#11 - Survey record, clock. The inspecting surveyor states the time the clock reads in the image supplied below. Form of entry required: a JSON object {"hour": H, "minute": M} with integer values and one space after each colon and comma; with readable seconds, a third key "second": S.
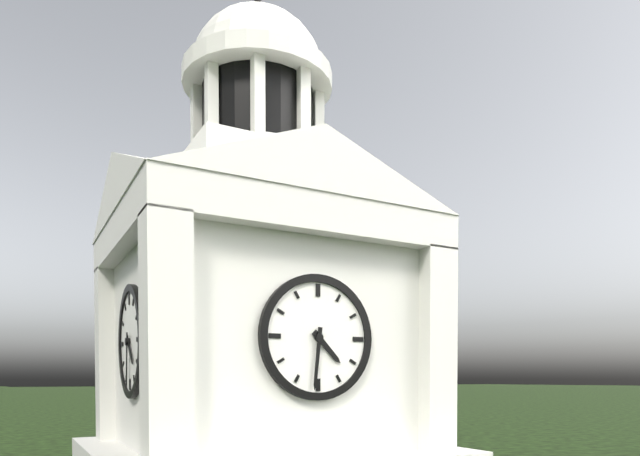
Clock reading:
{"hour": 4, "minute": 31}
